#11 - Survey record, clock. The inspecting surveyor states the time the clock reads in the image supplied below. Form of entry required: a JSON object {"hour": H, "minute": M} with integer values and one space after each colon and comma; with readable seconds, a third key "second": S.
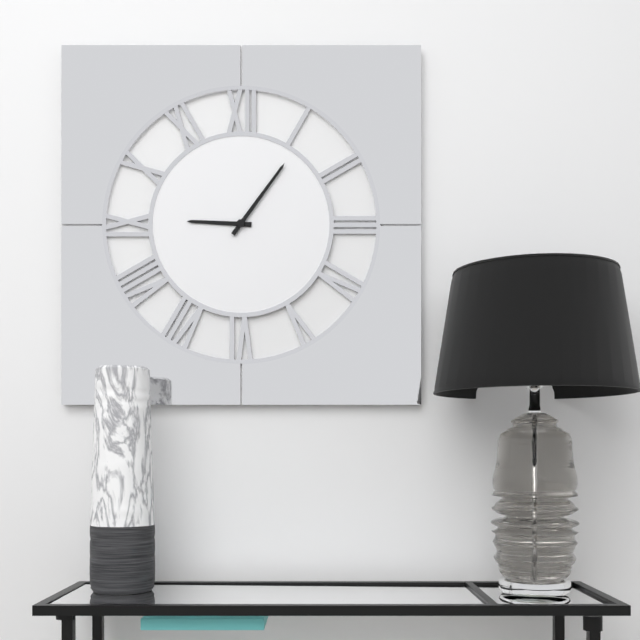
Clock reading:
{"hour": 9, "minute": 6}
